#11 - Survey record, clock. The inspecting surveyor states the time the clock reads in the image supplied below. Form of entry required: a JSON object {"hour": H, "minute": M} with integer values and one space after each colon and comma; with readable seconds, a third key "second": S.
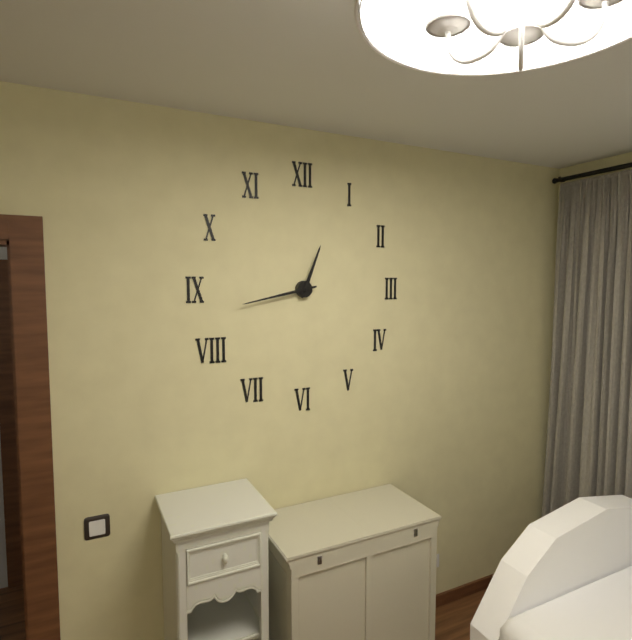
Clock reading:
{"hour": 12, "minute": 43}
